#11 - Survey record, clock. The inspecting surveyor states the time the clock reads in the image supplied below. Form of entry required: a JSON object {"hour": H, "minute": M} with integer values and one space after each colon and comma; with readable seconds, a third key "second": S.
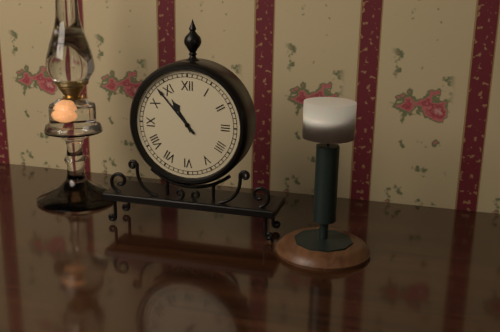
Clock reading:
{"hour": 10, "minute": 53}
